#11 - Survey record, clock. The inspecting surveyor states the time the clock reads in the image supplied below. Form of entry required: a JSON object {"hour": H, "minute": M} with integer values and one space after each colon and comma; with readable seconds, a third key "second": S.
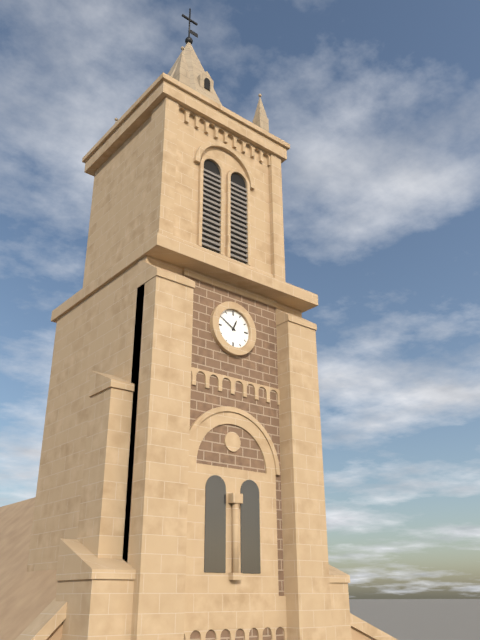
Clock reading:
{"hour": 12, "minute": 50}
